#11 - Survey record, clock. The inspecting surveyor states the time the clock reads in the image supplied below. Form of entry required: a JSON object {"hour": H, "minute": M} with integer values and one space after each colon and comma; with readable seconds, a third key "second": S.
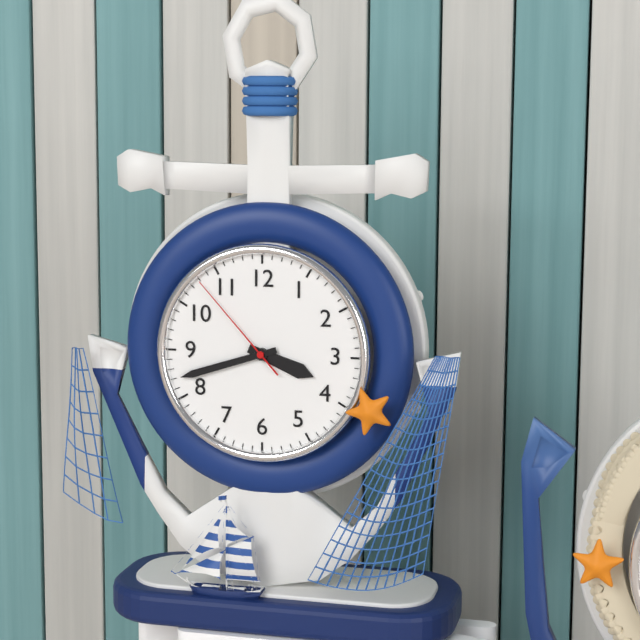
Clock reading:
{"hour": 3, "minute": 42, "second": 53}
